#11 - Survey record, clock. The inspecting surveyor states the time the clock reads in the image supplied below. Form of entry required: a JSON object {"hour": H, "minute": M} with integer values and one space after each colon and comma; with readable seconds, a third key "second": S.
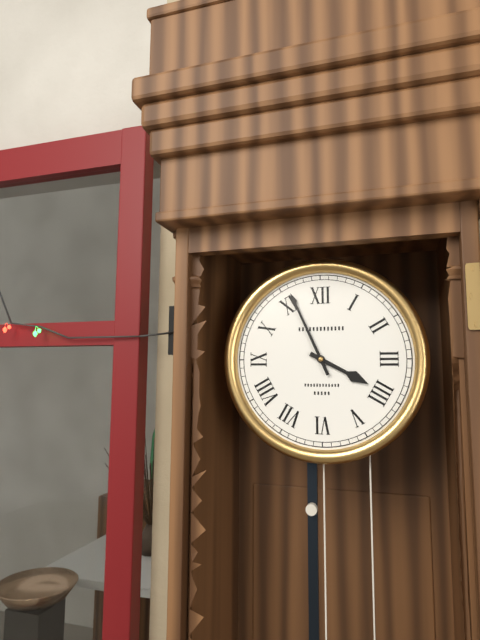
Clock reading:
{"hour": 3, "minute": 56}
